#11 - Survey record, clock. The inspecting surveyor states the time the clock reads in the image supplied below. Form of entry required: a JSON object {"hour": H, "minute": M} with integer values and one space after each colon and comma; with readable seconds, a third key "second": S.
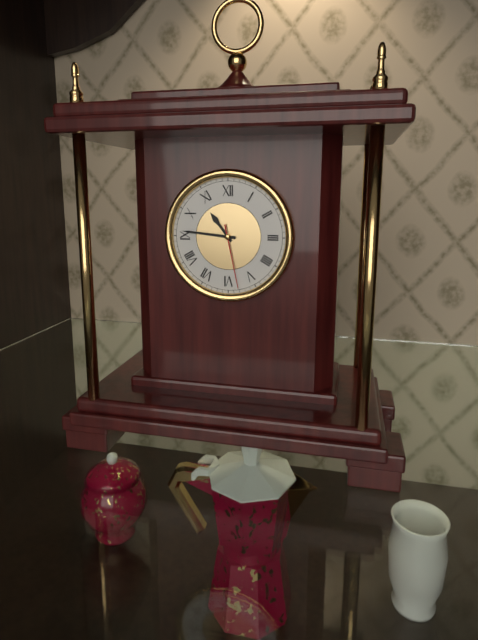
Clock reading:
{"hour": 10, "minute": 46, "second": 28}
